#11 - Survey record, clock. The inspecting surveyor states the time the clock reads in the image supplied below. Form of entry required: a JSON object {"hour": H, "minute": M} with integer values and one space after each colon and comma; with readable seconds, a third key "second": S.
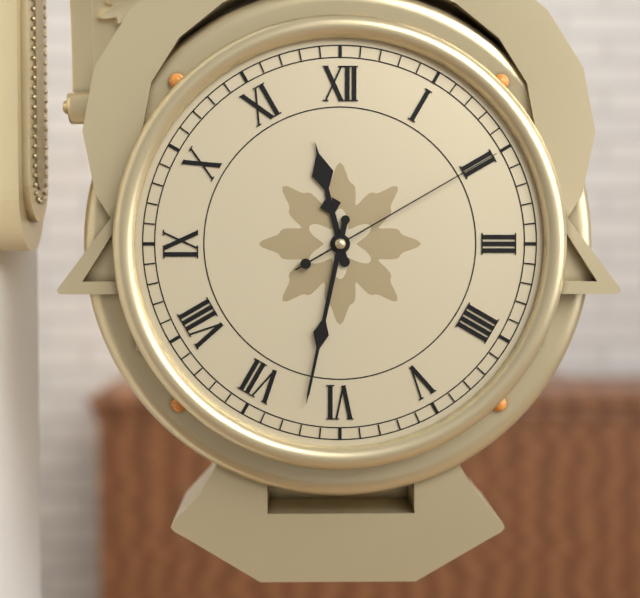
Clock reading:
{"hour": 11, "minute": 32, "second": 10}
